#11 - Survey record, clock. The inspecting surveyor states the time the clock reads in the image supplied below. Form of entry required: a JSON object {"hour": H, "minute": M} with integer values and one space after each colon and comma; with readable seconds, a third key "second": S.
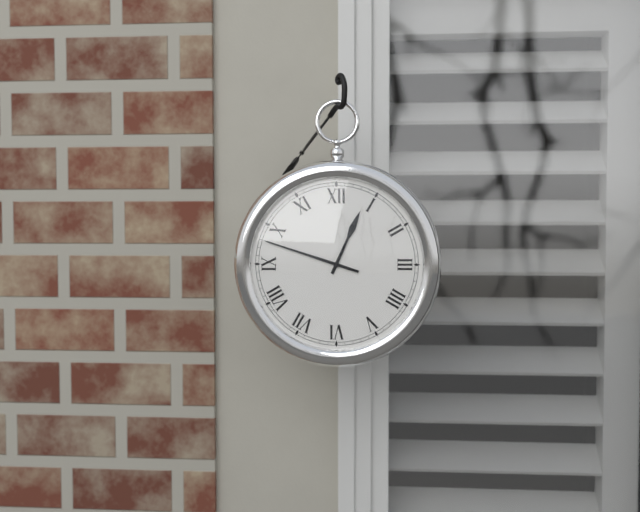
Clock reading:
{"hour": 12, "minute": 48}
